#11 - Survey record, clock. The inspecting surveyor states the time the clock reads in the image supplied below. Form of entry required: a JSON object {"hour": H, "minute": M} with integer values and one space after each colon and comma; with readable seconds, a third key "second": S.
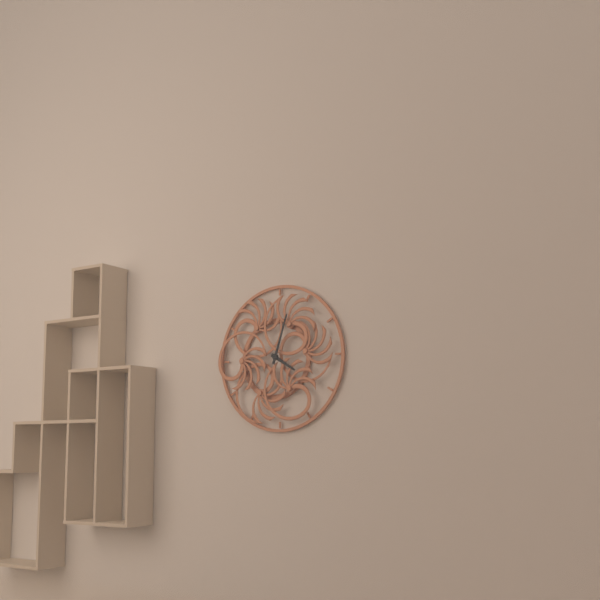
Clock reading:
{"hour": 4, "minute": 3}
